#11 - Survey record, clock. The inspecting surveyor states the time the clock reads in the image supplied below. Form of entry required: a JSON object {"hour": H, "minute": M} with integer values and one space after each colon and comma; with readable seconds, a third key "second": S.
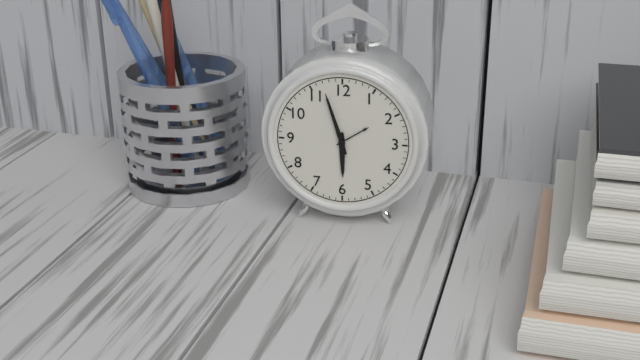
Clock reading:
{"hour": 5, "minute": 57}
